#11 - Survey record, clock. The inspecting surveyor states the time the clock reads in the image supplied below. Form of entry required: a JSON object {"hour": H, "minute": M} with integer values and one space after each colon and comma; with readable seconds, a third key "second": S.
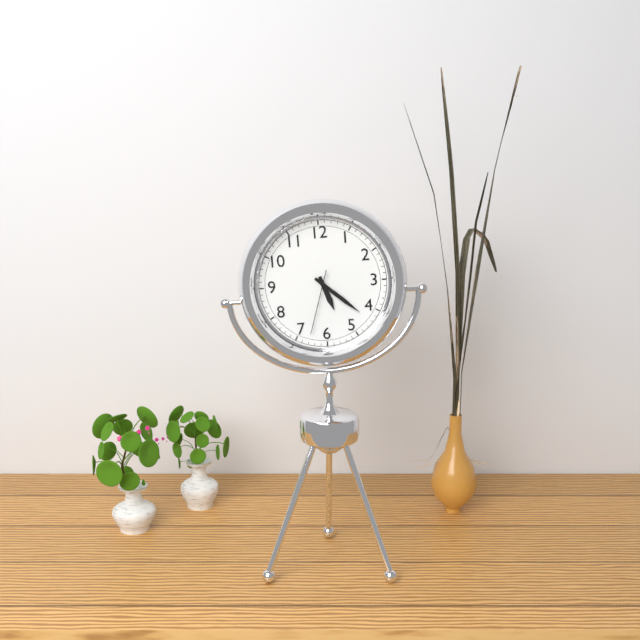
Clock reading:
{"hour": 5, "minute": 22, "second": 33}
